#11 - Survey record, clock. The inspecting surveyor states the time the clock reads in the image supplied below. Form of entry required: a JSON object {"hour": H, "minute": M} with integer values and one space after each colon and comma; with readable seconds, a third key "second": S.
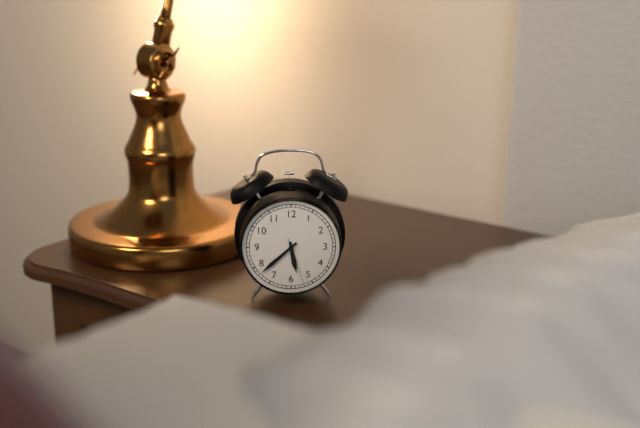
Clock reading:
{"hour": 5, "minute": 38, "second": 27}
